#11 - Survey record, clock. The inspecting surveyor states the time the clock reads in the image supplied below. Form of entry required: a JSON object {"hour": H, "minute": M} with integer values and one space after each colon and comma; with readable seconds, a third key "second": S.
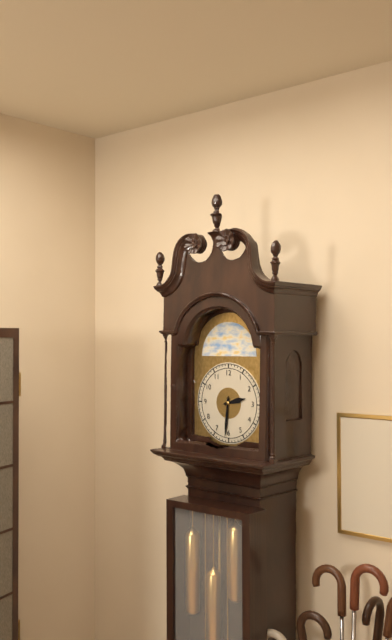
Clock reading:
{"hour": 2, "minute": 31}
